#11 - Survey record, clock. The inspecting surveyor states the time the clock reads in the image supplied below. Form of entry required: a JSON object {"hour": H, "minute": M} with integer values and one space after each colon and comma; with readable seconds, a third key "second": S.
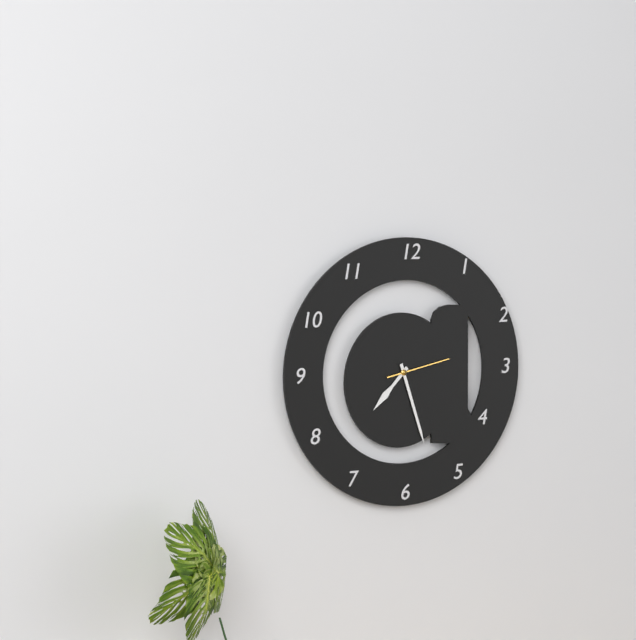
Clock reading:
{"hour": 7, "minute": 27, "second": 13}
